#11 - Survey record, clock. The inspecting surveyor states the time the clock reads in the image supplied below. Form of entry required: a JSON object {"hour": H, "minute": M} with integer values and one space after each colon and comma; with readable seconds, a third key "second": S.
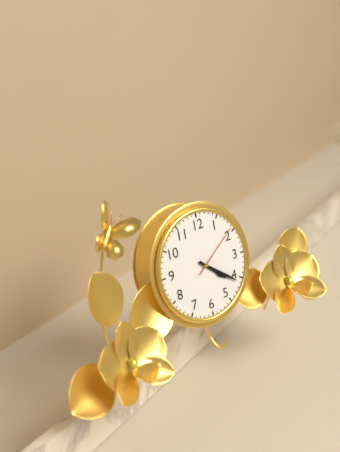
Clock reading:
{"hour": 4, "minute": 21, "second": 9}
